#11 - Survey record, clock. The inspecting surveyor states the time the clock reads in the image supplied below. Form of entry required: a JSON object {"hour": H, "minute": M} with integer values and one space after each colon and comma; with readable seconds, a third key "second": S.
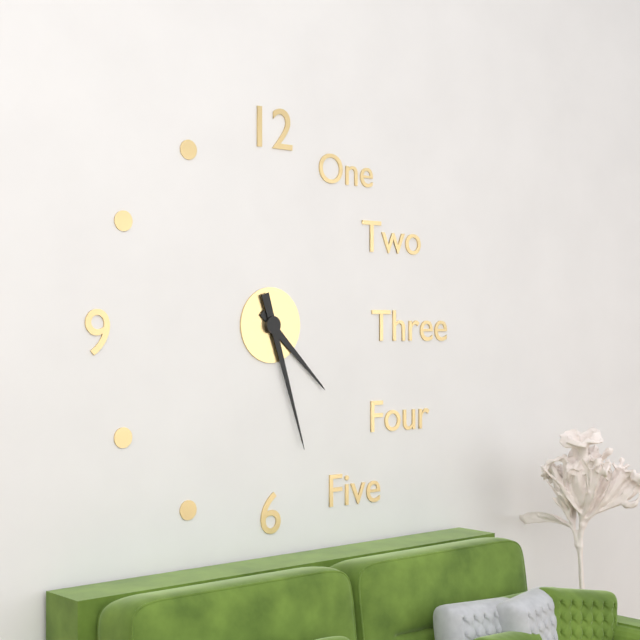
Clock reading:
{"hour": 4, "minute": 27}
